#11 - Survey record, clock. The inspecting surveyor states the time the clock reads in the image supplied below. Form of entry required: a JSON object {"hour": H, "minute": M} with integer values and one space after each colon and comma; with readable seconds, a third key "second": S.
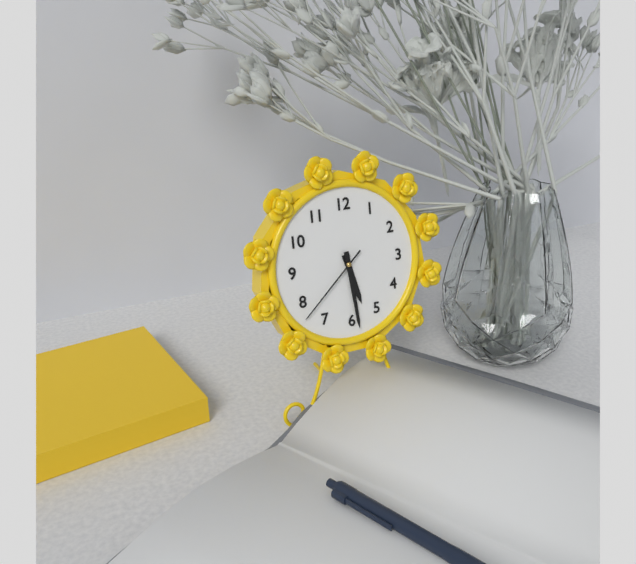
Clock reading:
{"hour": 5, "minute": 29, "second": 38}
